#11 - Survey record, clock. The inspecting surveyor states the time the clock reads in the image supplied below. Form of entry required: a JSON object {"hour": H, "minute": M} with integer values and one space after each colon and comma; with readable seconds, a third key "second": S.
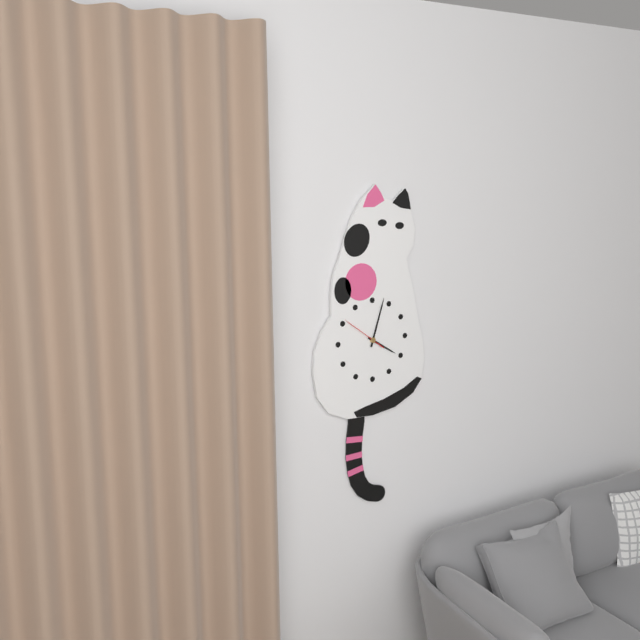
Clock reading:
{"hour": 4, "minute": 3}
